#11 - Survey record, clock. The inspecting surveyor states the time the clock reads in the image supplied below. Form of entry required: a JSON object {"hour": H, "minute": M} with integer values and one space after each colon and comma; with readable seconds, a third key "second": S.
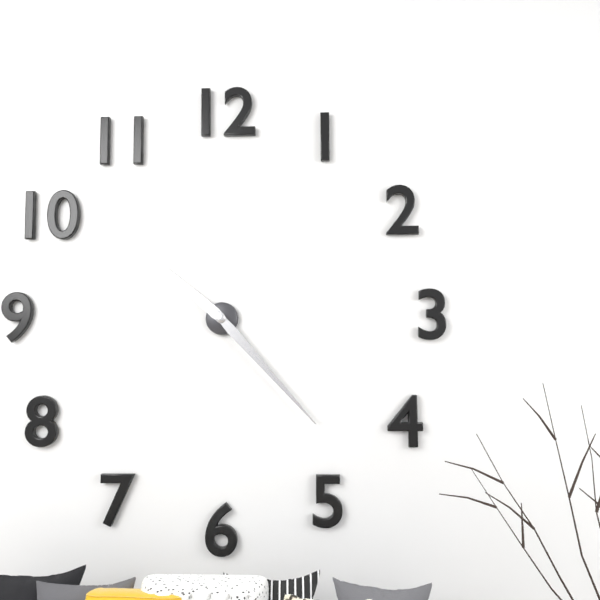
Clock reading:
{"hour": 10, "minute": 23}
